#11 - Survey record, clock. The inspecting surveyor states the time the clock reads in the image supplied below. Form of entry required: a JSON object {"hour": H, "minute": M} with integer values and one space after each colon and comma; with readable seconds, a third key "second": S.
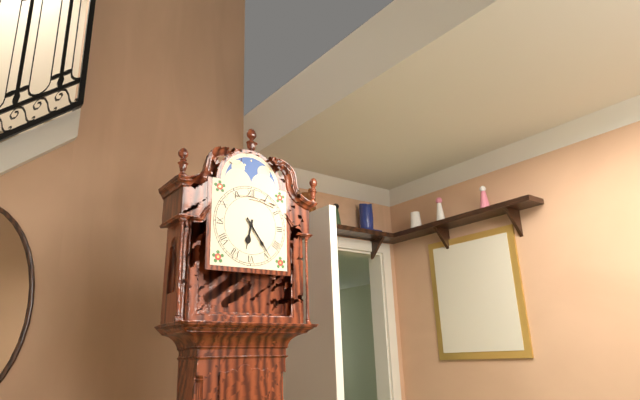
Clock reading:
{"hour": 6, "minute": 24}
